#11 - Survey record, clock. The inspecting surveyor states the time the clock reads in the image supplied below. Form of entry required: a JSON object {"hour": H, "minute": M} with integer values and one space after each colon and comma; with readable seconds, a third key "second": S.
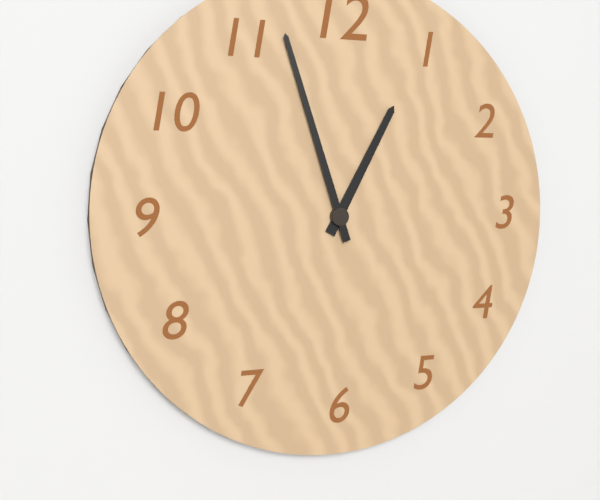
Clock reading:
{"hour": 12, "minute": 57}
